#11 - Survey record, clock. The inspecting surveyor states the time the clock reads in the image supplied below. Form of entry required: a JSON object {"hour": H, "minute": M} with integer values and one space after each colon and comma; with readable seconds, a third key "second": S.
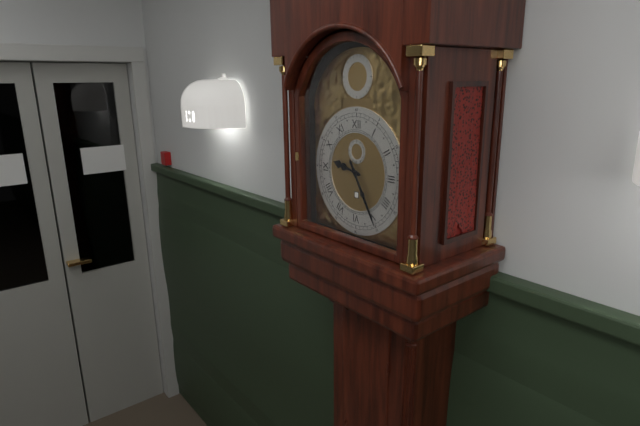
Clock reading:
{"hour": 9, "minute": 25}
